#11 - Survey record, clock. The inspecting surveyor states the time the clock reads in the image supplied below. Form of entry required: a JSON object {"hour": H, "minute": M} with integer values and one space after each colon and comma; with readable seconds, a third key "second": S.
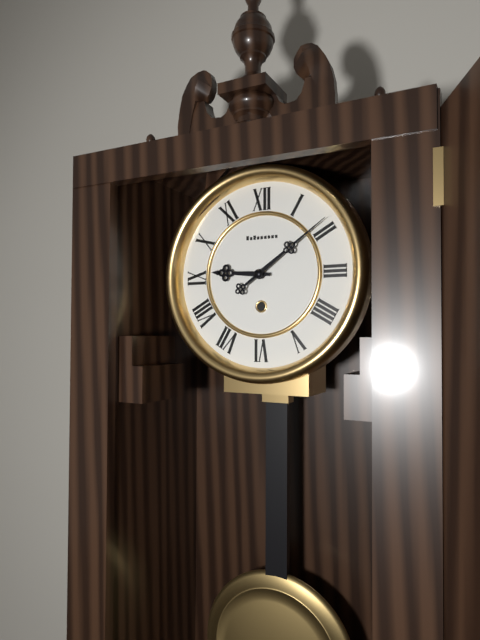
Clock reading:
{"hour": 9, "minute": 9}
